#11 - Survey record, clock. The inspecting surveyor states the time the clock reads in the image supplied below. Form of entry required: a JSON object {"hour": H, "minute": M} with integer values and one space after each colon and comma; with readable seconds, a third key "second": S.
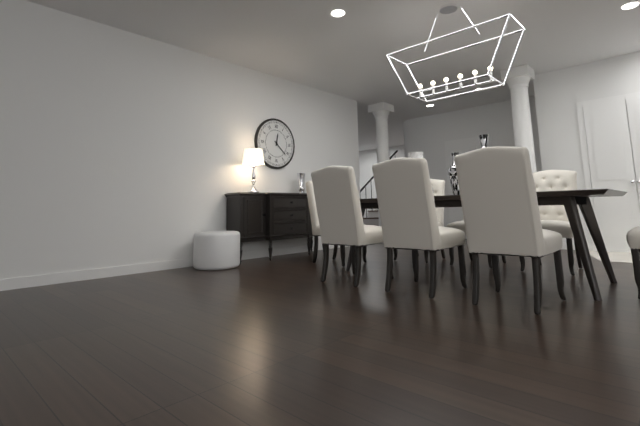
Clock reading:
{"hour": 12, "minute": 22}
